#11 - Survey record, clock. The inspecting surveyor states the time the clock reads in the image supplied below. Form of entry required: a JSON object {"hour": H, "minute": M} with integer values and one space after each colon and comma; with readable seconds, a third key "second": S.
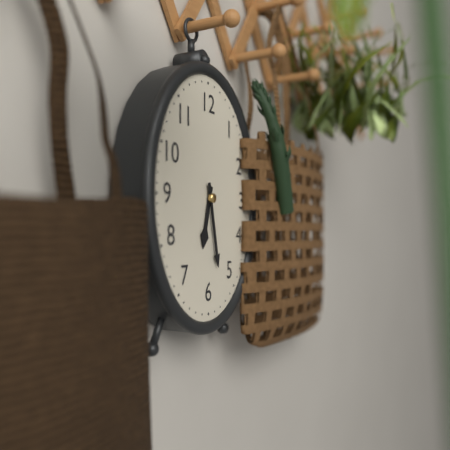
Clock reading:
{"hour": 6, "minute": 28}
